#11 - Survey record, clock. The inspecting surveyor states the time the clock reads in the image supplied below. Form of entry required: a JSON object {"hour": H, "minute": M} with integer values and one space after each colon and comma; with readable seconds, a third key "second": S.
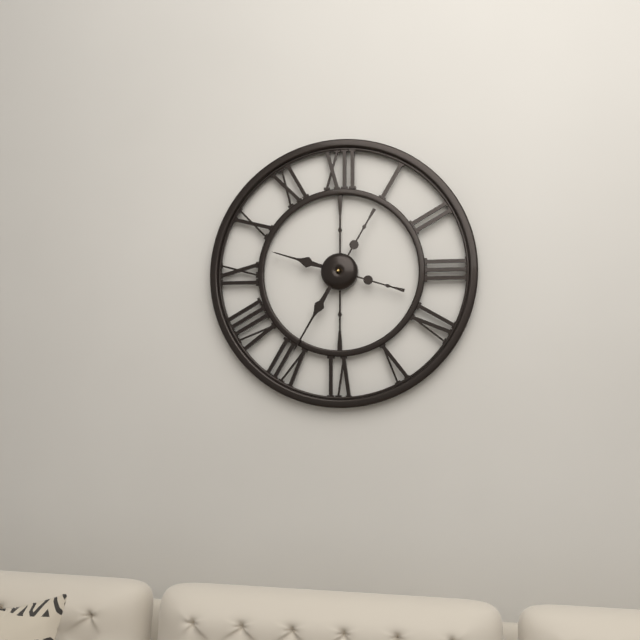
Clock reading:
{"hour": 9, "minute": 35}
